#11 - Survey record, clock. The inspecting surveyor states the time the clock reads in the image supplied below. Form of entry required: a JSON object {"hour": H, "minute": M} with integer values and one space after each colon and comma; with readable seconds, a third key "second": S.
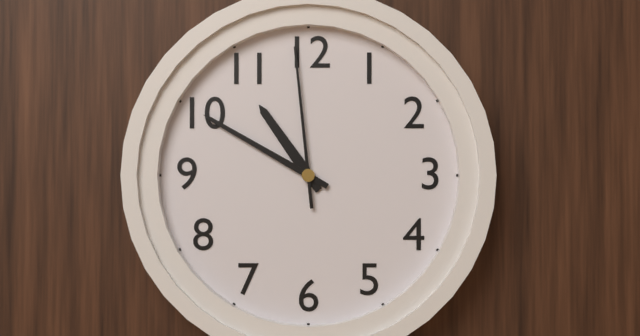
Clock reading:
{"hour": 10, "minute": 50, "second": 59}
